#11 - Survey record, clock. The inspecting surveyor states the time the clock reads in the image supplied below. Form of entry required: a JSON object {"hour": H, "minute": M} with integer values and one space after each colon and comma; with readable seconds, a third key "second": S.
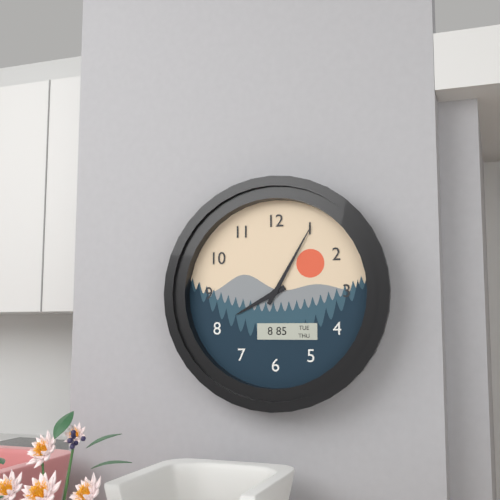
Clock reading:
{"hour": 8, "minute": 5}
